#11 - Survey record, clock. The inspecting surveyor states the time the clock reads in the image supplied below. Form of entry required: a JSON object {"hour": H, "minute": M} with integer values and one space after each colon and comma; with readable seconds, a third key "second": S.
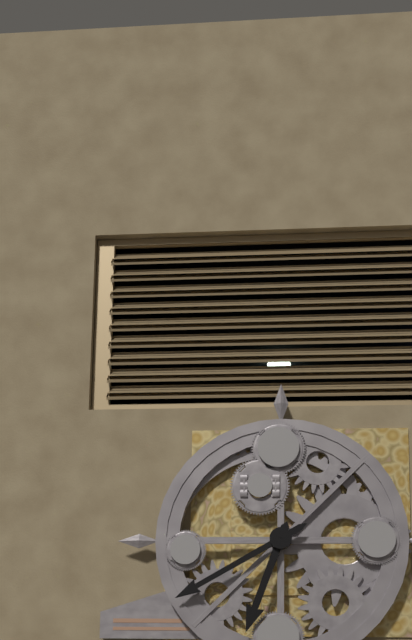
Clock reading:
{"hour": 6, "minute": 40}
